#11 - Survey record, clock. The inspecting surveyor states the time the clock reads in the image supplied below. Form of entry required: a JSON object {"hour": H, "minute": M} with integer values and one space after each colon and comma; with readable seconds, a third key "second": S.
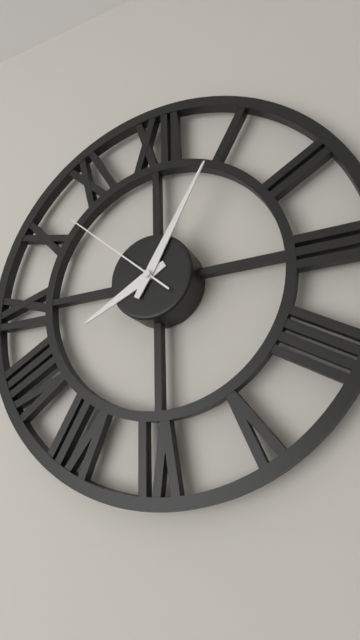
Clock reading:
{"hour": 8, "minute": 5, "second": 52}
